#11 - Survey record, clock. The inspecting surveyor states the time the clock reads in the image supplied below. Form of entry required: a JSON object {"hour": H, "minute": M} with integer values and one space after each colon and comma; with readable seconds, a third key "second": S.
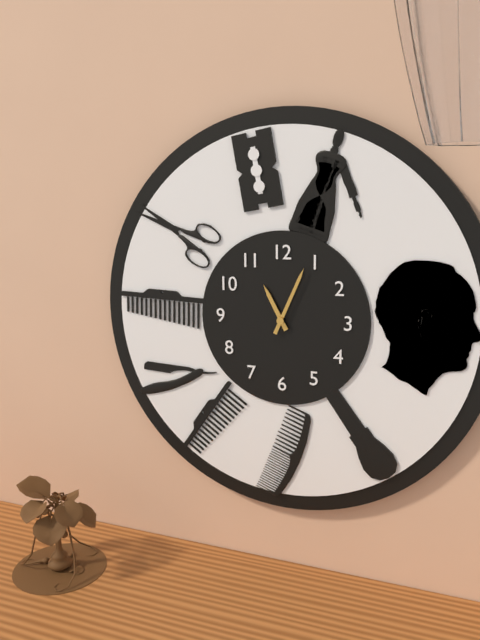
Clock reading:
{"hour": 11, "minute": 4}
